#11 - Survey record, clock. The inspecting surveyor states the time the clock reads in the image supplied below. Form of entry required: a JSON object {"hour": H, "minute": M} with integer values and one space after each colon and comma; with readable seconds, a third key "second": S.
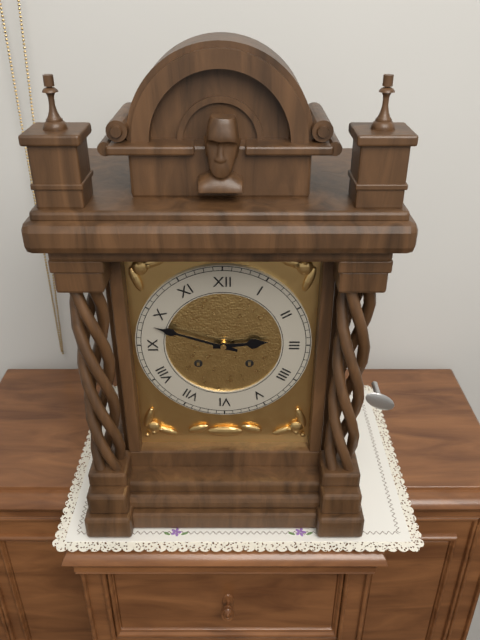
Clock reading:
{"hour": 2, "minute": 48}
